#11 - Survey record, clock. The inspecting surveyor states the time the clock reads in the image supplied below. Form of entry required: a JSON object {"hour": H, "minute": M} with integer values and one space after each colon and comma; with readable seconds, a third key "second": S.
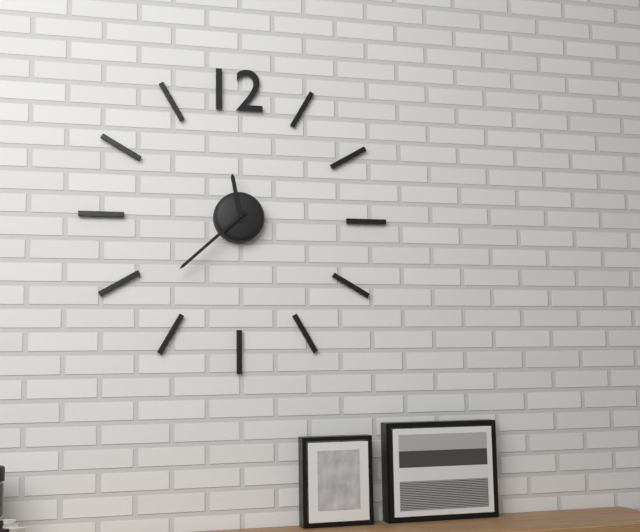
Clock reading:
{"hour": 11, "minute": 38}
